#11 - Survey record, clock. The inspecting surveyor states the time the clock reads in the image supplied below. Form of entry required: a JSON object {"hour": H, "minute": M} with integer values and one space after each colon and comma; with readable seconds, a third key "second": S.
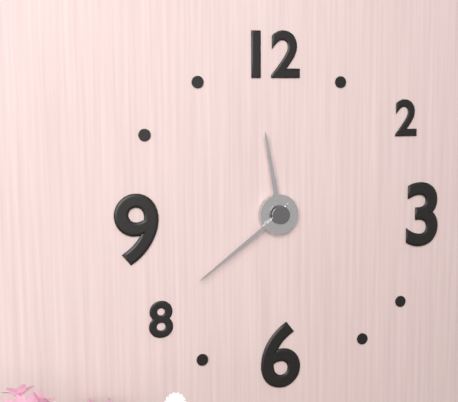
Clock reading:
{"hour": 11, "minute": 39}
